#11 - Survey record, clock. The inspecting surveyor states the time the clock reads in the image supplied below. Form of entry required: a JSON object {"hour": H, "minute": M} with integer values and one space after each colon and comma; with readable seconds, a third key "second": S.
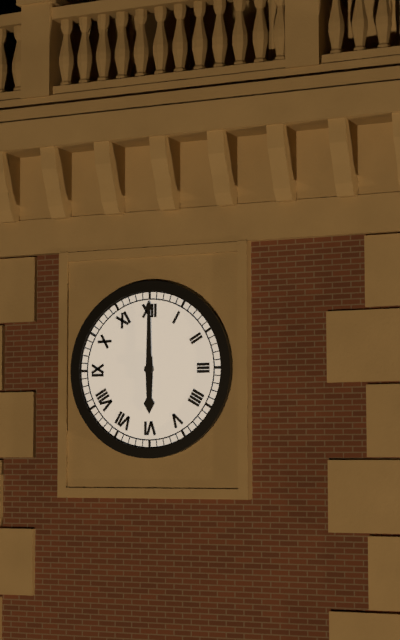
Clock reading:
{"hour": 6, "minute": 0}
